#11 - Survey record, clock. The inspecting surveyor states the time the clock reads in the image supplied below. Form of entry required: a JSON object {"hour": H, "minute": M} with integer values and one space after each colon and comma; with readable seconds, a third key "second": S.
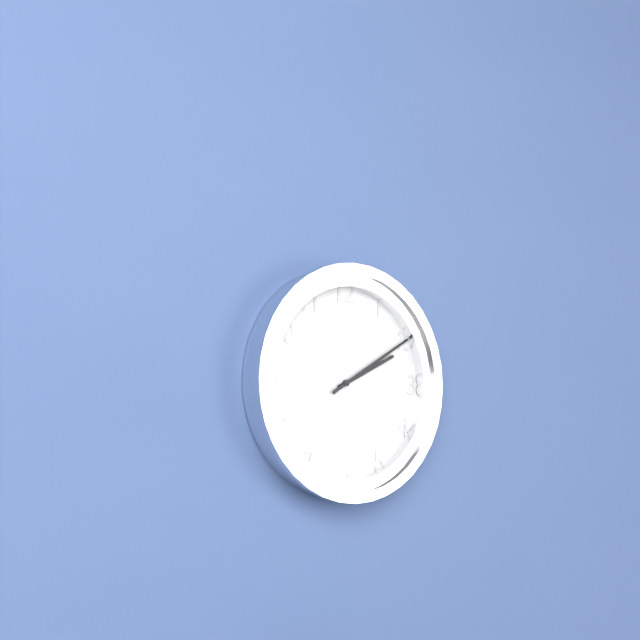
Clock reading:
{"hour": 2, "minute": 10}
